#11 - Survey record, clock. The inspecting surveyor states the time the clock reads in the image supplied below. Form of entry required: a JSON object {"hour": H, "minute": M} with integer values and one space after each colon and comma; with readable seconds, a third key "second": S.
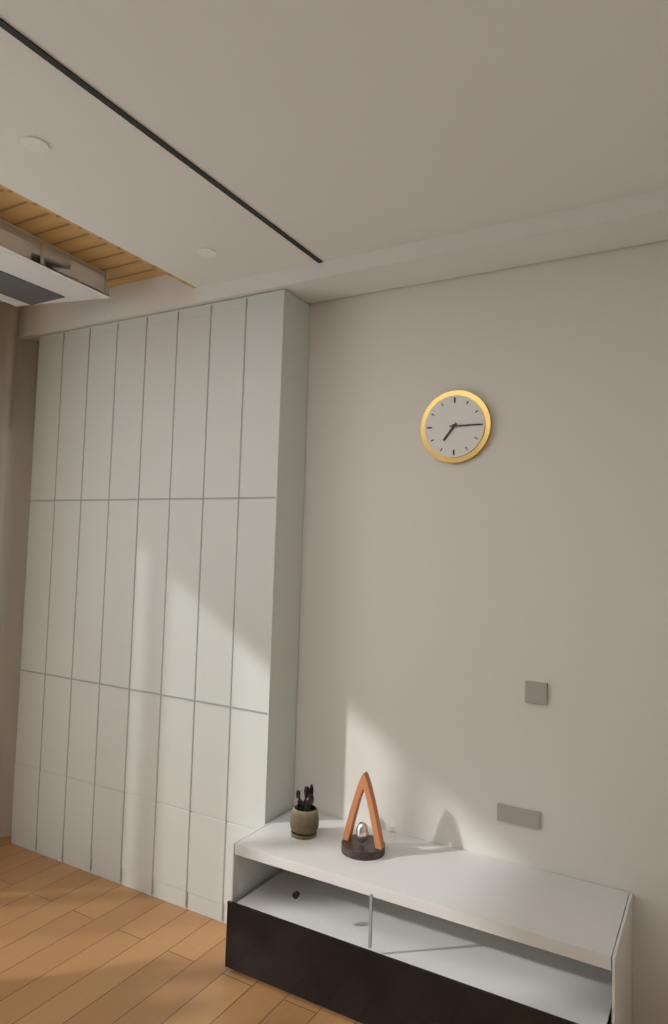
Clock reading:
{"hour": 7, "minute": 15}
